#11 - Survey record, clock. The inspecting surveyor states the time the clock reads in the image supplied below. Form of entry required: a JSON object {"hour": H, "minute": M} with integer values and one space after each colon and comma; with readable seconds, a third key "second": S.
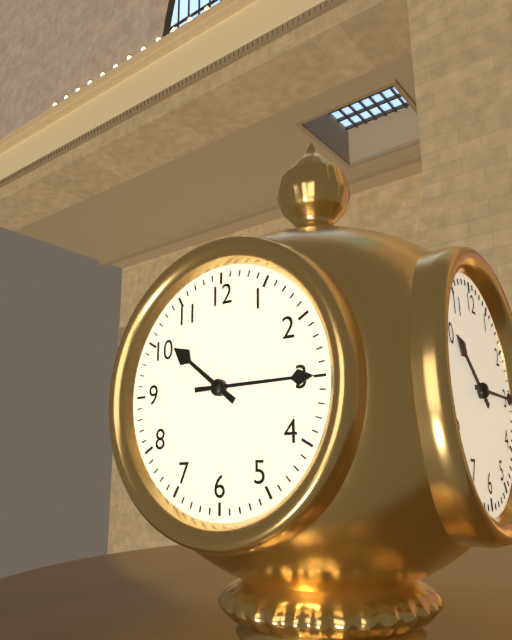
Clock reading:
{"hour": 10, "minute": 15}
